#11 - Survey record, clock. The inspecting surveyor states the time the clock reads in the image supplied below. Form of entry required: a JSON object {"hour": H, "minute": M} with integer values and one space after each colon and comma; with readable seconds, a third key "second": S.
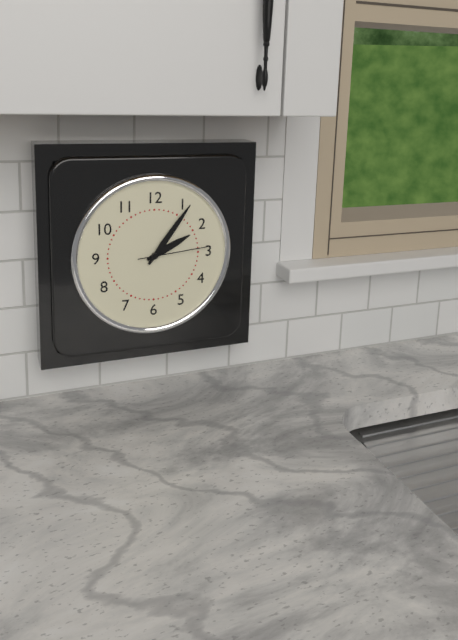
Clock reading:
{"hour": 2, "minute": 6, "second": 14}
